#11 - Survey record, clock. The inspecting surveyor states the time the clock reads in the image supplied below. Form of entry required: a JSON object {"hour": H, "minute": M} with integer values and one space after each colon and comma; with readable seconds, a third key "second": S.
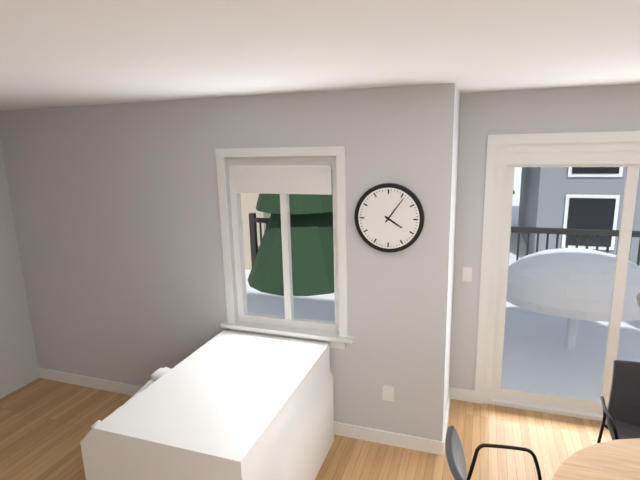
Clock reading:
{"hour": 4, "minute": 6}
